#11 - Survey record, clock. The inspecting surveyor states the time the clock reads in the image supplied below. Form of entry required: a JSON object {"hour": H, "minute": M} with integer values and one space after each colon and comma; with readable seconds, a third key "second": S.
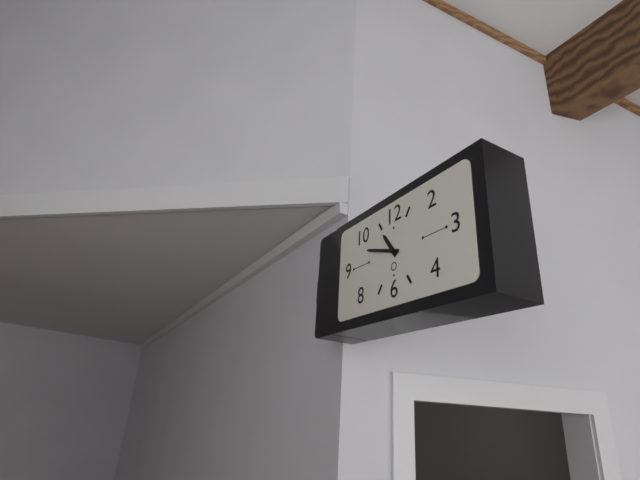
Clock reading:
{"hour": 10, "minute": 48}
